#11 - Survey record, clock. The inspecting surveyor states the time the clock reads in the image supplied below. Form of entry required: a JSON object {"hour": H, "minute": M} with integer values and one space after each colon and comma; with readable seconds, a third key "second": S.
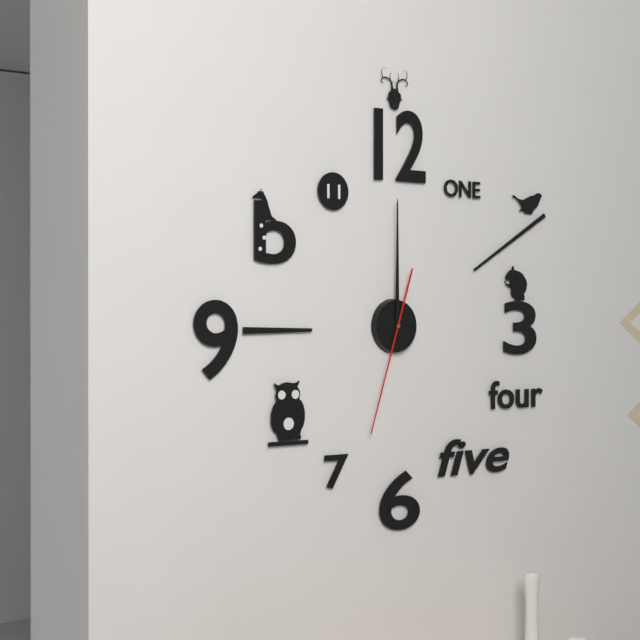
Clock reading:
{"hour": 12, "minute": 0, "second": 33}
